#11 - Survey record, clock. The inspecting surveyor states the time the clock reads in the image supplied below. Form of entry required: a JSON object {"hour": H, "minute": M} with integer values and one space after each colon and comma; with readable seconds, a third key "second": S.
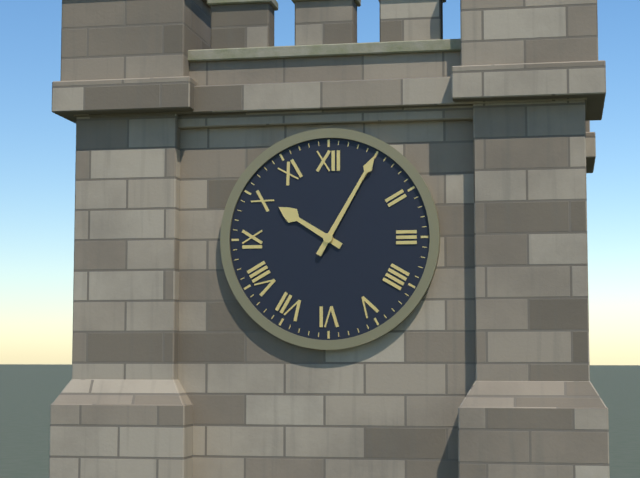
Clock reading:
{"hour": 10, "minute": 5}
